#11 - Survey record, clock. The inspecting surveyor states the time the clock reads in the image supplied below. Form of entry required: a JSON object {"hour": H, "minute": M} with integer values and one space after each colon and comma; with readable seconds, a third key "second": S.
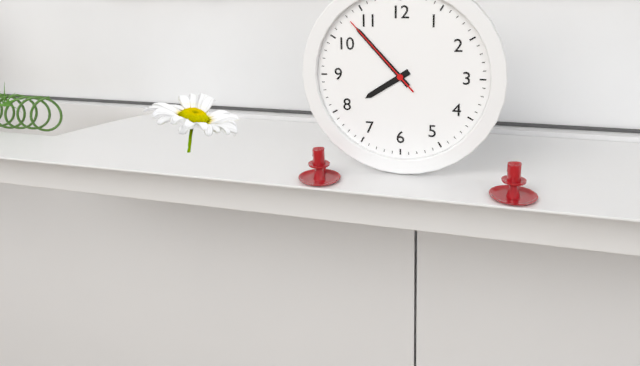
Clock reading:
{"hour": 7, "minute": 53, "second": 53}
